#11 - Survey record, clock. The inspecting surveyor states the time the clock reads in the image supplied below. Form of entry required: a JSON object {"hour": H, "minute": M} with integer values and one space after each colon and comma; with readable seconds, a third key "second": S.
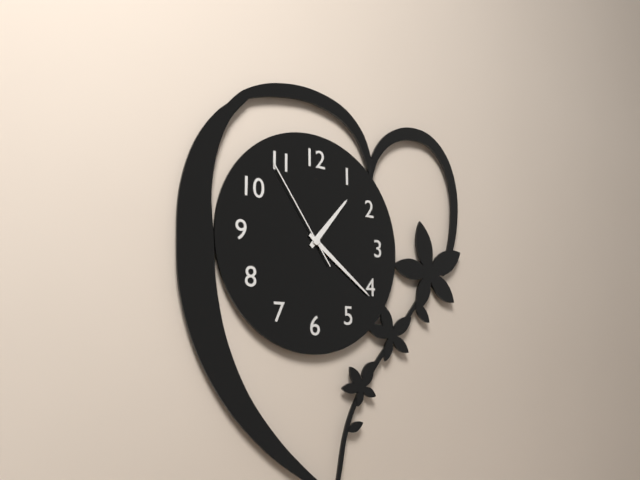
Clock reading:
{"hour": 1, "minute": 21, "second": 54}
